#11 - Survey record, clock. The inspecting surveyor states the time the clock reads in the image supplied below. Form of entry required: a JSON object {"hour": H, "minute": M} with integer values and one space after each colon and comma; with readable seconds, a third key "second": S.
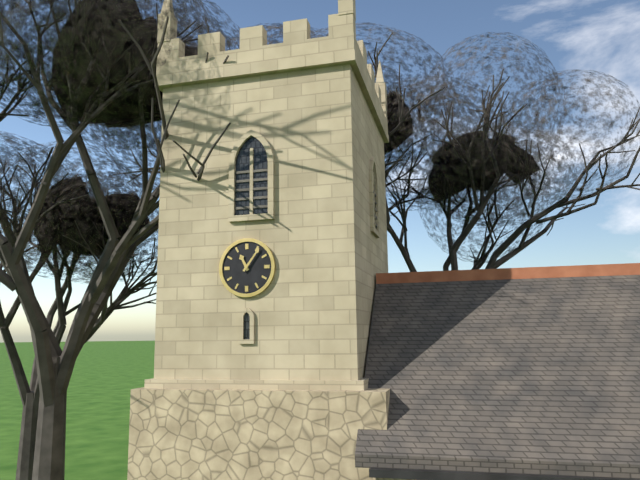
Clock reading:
{"hour": 11, "minute": 6}
